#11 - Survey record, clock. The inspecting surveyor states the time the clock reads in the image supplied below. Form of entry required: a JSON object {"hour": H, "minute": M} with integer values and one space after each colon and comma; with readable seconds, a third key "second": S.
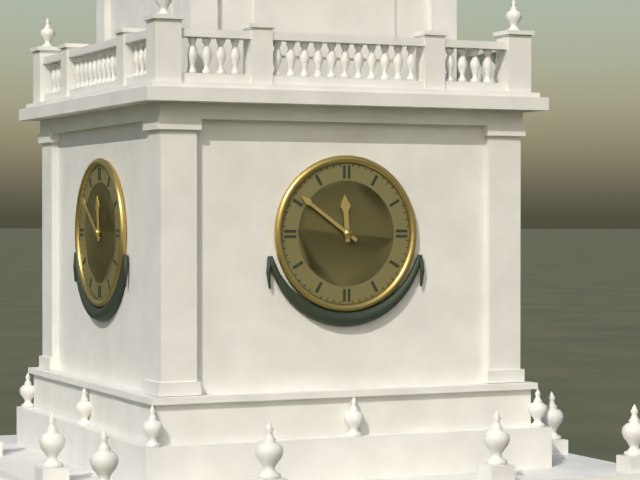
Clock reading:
{"hour": 11, "minute": 51}
